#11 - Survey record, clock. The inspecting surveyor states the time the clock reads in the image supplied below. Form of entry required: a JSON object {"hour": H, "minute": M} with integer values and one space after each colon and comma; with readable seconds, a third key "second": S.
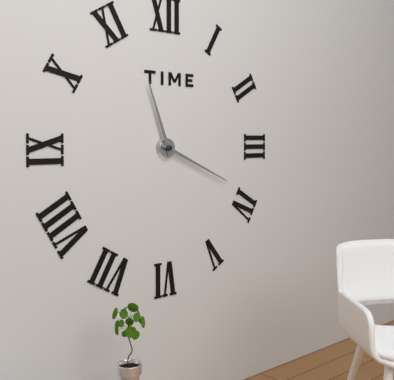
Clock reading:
{"hour": 11, "minute": 19}
